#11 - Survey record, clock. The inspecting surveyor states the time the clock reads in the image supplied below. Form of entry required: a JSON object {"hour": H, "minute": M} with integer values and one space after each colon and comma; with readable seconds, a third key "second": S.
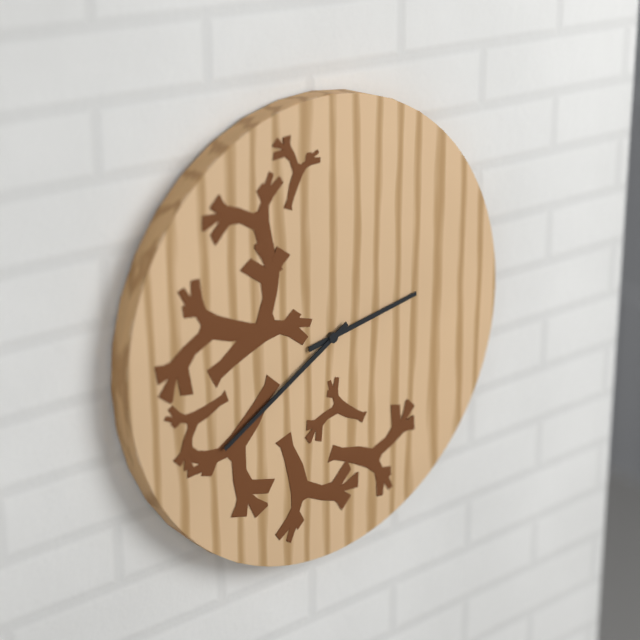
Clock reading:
{"hour": 2, "minute": 40}
